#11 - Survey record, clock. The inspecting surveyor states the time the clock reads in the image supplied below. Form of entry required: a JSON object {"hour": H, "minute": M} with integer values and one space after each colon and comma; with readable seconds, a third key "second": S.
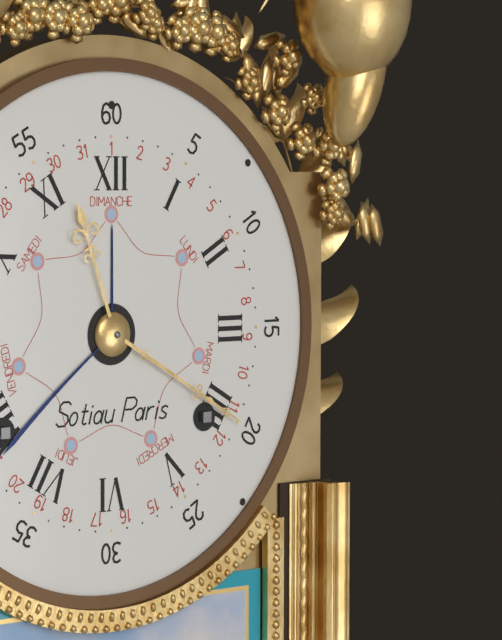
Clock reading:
{"hour": 11, "minute": 20}
